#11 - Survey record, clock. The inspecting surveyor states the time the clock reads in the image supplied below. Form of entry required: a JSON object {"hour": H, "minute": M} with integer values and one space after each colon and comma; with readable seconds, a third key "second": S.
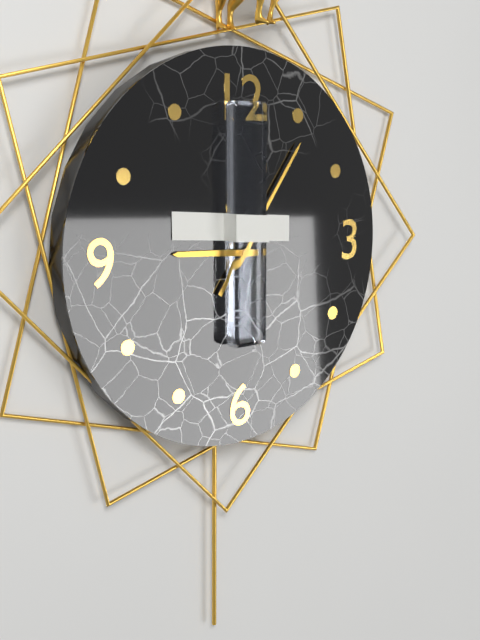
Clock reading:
{"hour": 9, "minute": 6}
